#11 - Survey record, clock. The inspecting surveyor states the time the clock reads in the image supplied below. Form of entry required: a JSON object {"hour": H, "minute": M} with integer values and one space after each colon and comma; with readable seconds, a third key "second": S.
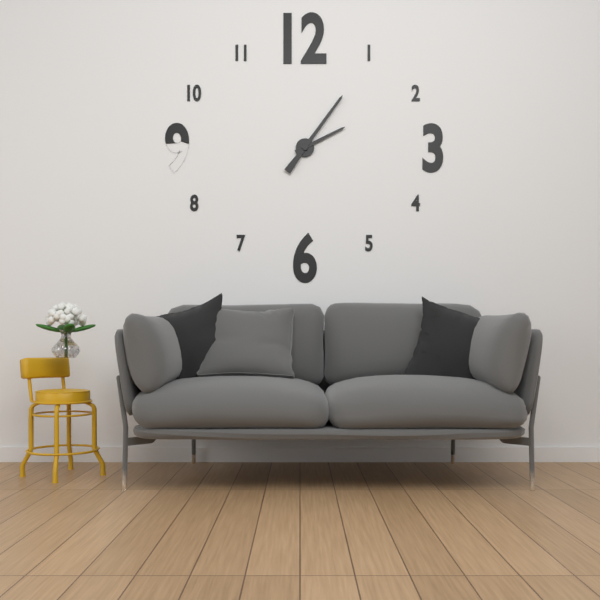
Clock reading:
{"hour": 2, "minute": 6}
